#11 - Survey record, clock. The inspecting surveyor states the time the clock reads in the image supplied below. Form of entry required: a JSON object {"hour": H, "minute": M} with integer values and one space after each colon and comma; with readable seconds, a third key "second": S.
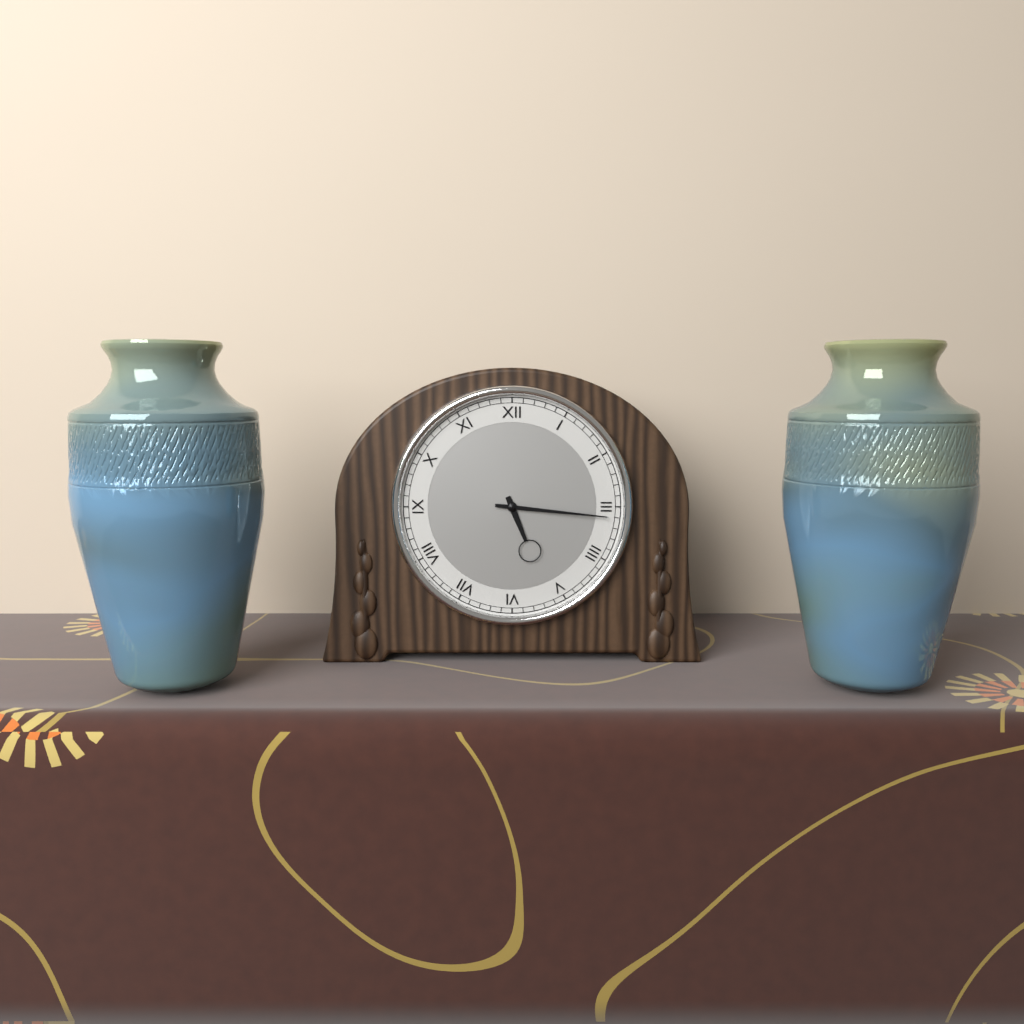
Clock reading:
{"hour": 5, "minute": 16}
